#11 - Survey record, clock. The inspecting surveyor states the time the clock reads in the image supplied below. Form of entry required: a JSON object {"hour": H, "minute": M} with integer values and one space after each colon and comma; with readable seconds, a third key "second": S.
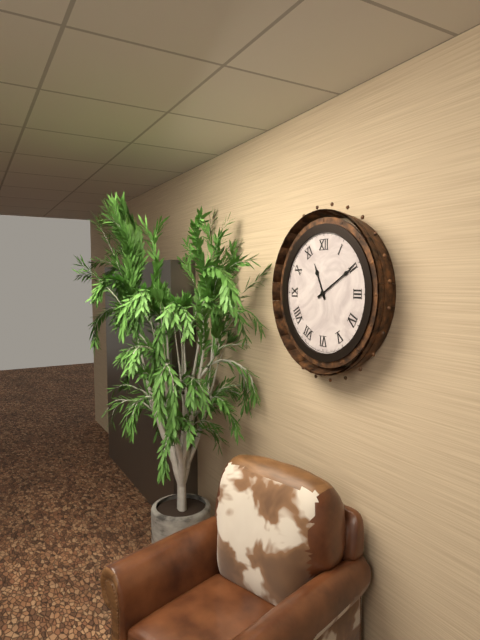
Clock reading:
{"hour": 11, "minute": 10}
